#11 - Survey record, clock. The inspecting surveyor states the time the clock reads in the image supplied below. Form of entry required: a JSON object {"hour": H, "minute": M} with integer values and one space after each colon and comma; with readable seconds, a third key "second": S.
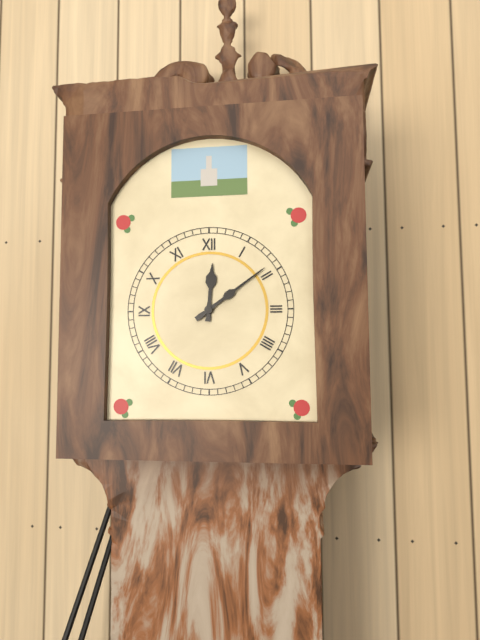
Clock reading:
{"hour": 12, "minute": 9}
